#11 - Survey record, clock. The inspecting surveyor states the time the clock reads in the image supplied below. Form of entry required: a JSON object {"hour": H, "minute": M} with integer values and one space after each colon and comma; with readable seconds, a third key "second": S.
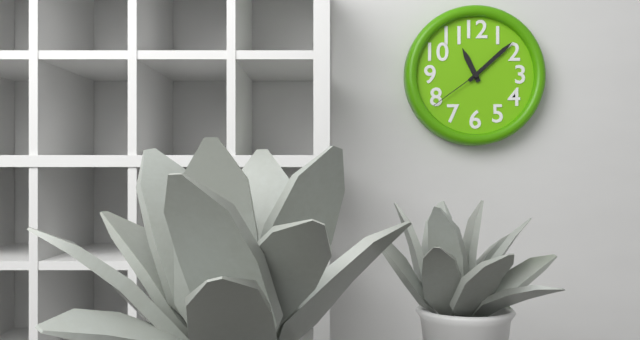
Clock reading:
{"hour": 11, "minute": 8, "second": 39}
